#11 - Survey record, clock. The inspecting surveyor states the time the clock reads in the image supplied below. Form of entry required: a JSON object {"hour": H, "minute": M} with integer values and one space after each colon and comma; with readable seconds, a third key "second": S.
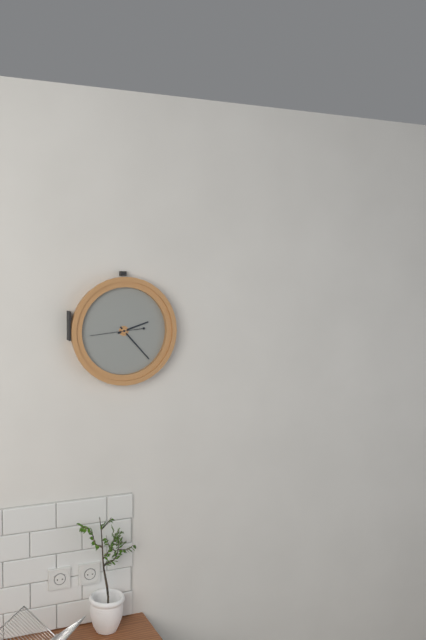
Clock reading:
{"hour": 2, "minute": 23}
